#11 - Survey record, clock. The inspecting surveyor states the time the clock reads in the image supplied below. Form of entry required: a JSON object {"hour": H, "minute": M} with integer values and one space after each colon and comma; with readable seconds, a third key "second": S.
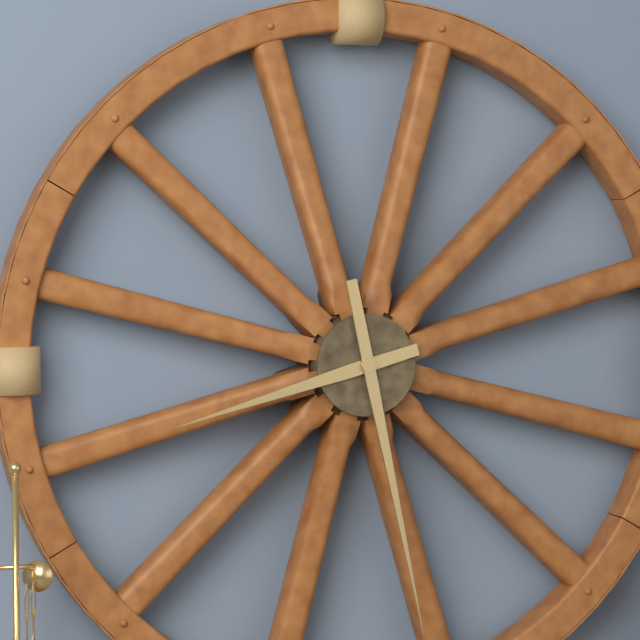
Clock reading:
{"hour": 8, "minute": 28}
